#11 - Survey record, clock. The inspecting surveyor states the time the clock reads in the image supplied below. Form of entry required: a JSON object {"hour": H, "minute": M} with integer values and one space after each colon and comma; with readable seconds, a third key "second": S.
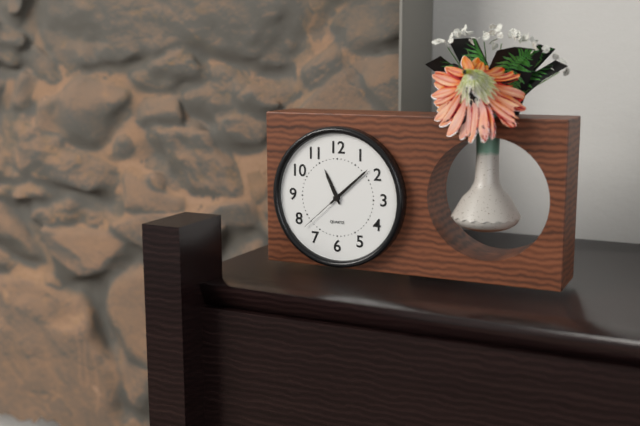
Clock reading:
{"hour": 11, "minute": 8, "second": 38}
